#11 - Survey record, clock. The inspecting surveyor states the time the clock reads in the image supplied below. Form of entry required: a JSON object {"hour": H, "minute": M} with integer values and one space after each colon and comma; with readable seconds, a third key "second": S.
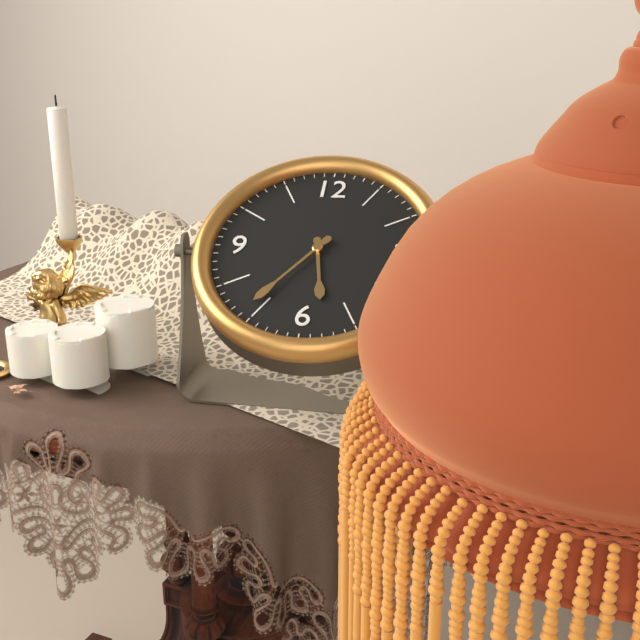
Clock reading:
{"hour": 5, "minute": 36}
